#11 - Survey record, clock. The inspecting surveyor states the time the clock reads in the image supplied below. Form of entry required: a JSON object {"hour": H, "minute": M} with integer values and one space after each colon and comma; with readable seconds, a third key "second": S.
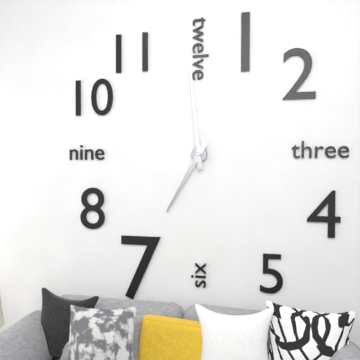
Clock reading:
{"hour": 6, "minute": 59}
